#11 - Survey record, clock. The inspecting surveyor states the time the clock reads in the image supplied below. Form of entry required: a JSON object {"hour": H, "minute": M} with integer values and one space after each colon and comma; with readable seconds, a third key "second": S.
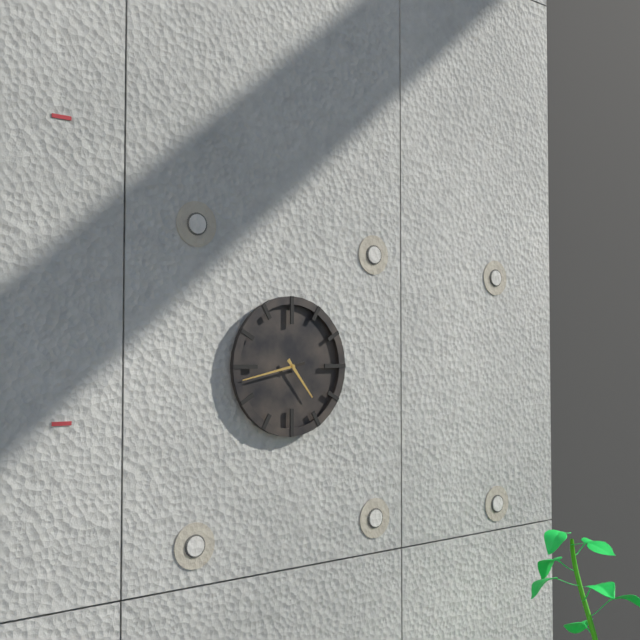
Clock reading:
{"hour": 4, "minute": 43}
